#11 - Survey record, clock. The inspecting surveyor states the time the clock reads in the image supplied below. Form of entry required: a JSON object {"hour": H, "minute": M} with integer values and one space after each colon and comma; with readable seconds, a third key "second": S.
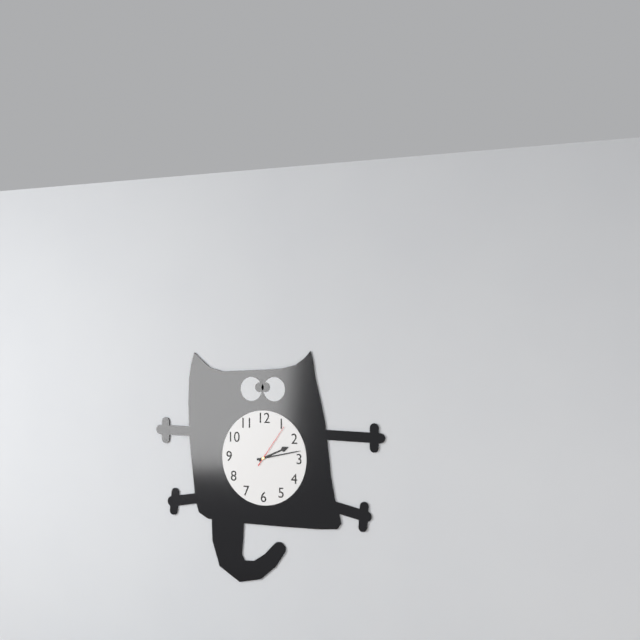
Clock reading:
{"hour": 2, "minute": 13}
